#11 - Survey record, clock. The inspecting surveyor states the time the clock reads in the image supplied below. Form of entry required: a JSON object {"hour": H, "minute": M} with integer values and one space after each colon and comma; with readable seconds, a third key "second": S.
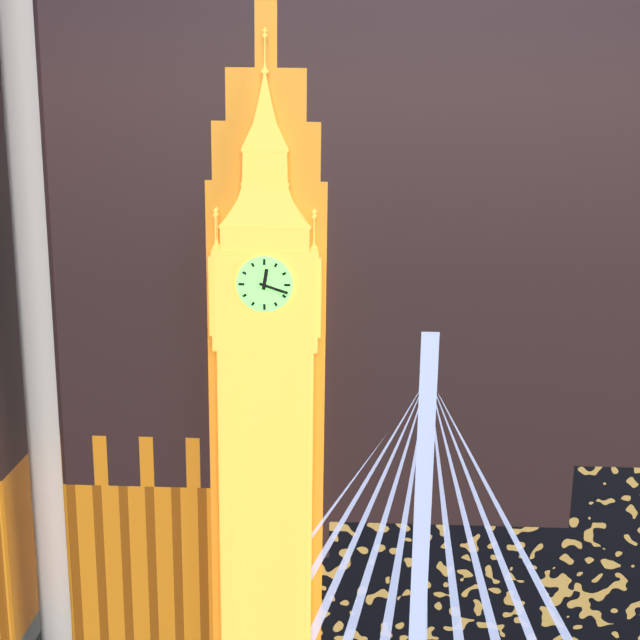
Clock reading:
{"hour": 12, "minute": 18}
